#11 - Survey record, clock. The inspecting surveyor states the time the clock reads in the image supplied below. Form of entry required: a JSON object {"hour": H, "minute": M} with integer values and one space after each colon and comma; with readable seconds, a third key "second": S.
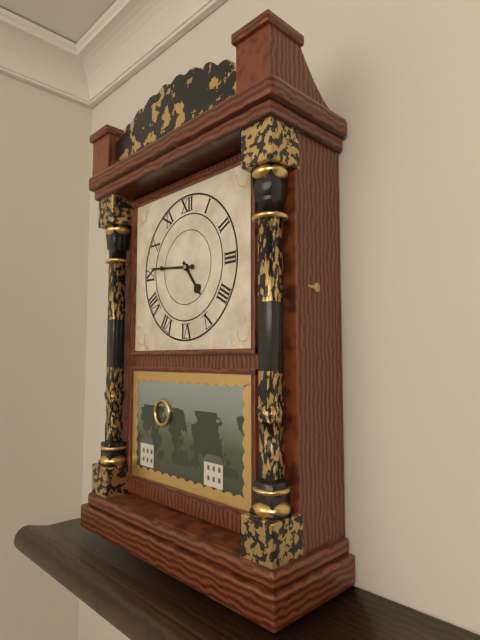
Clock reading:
{"hour": 4, "minute": 46}
